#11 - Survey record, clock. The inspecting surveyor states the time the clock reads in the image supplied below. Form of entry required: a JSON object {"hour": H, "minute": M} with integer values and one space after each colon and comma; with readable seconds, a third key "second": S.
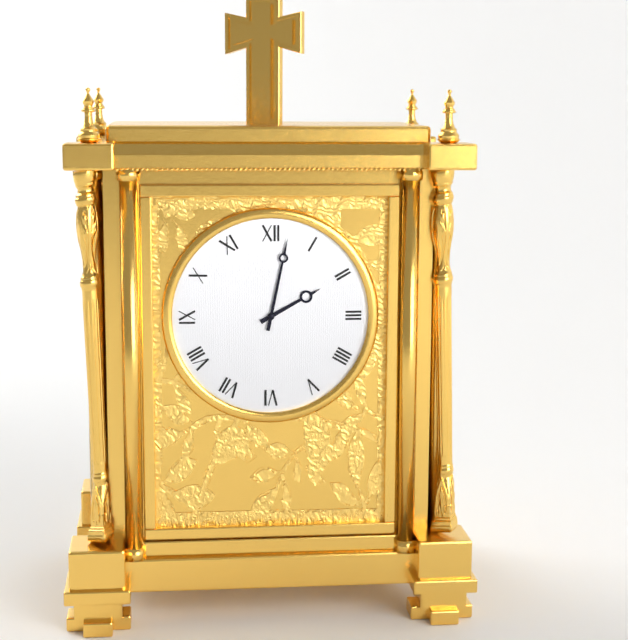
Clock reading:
{"hour": 2, "minute": 2}
